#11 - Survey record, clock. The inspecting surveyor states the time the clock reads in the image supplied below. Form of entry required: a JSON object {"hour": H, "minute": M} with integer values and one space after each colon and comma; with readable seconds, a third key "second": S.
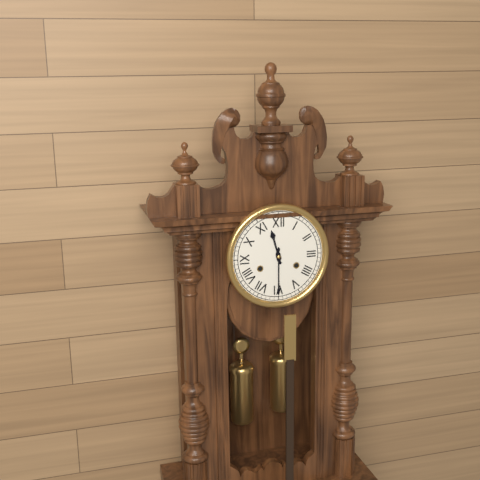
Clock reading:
{"hour": 11, "minute": 30}
